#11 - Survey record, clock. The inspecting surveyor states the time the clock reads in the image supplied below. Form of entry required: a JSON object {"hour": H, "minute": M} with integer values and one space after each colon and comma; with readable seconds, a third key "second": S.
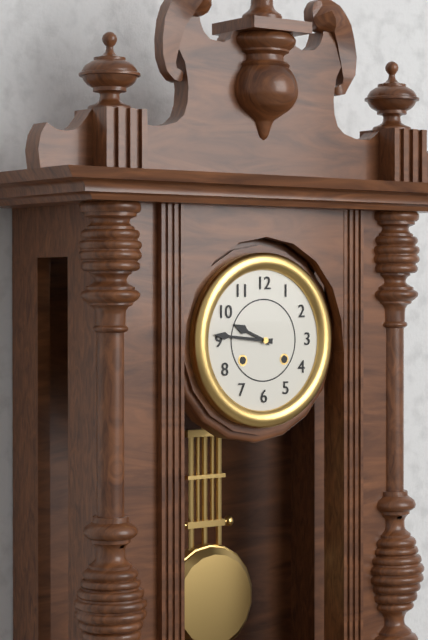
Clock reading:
{"hour": 9, "minute": 46}
